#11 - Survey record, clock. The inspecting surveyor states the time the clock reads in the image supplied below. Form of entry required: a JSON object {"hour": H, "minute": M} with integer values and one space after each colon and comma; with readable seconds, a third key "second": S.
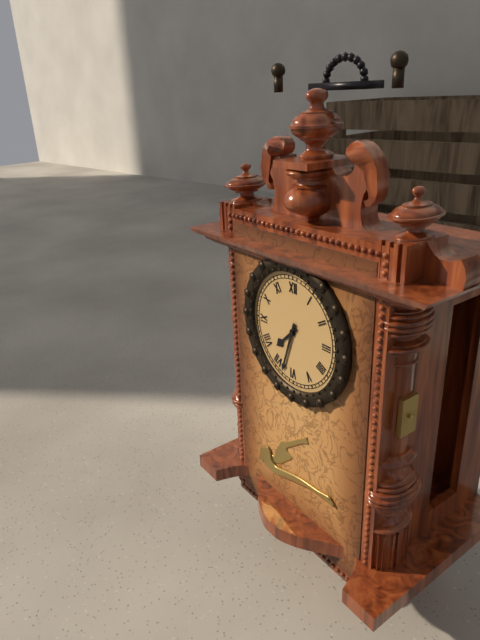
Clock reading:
{"hour": 7, "minute": 33}
